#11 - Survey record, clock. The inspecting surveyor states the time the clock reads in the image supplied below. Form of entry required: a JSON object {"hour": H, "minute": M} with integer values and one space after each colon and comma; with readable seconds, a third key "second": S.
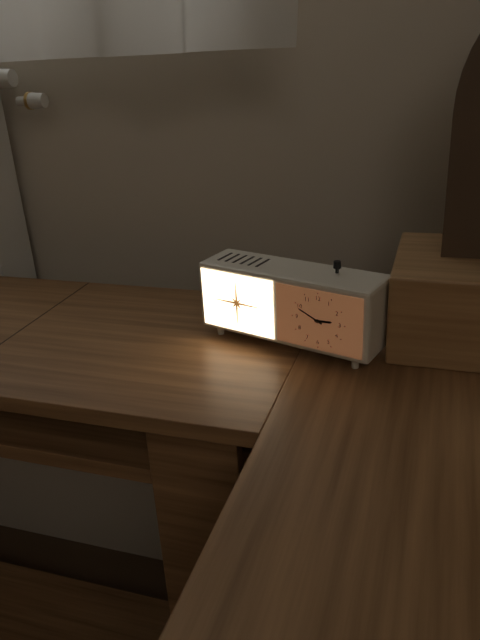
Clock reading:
{"hour": 2, "minute": 49}
